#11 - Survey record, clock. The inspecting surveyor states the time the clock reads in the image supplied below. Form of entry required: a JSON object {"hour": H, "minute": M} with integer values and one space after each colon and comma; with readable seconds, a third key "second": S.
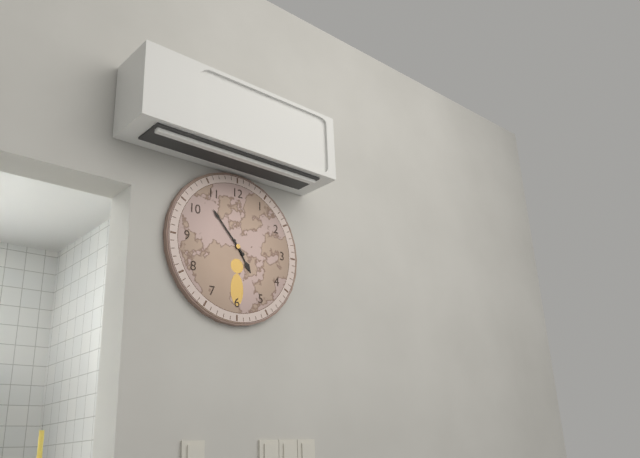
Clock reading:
{"hour": 4, "minute": 53}
